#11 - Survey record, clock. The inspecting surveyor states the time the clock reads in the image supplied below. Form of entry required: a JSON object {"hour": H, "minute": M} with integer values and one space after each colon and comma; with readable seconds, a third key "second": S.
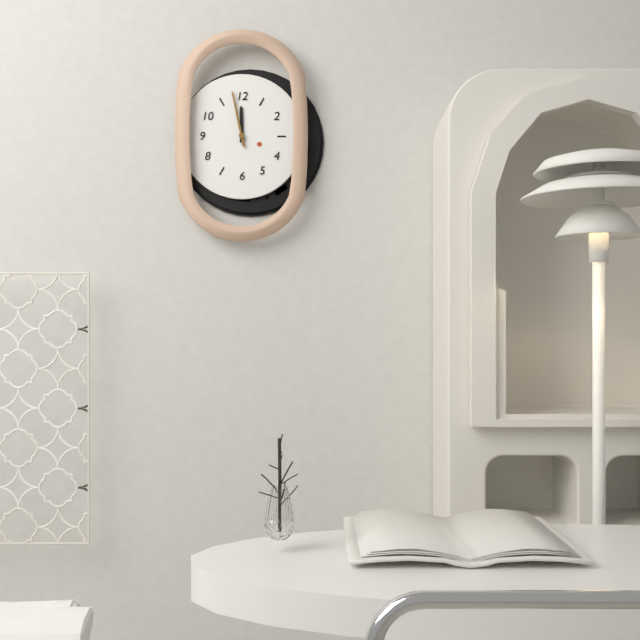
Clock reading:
{"hour": 11, "minute": 58}
